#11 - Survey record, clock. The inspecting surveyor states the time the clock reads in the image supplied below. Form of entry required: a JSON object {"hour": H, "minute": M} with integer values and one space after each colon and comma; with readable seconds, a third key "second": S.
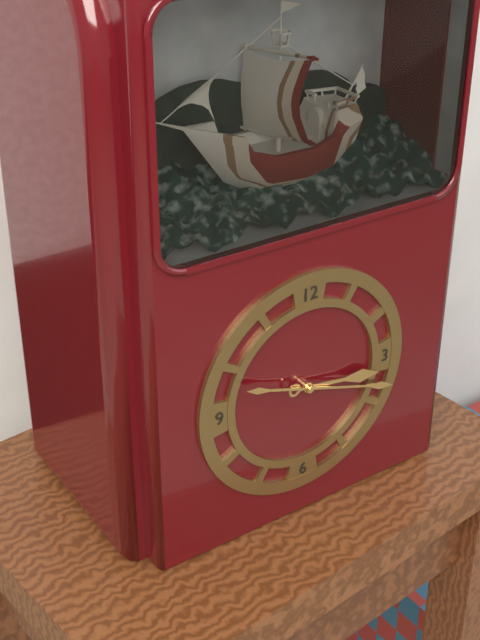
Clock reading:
{"hour": 3, "minute": 18}
